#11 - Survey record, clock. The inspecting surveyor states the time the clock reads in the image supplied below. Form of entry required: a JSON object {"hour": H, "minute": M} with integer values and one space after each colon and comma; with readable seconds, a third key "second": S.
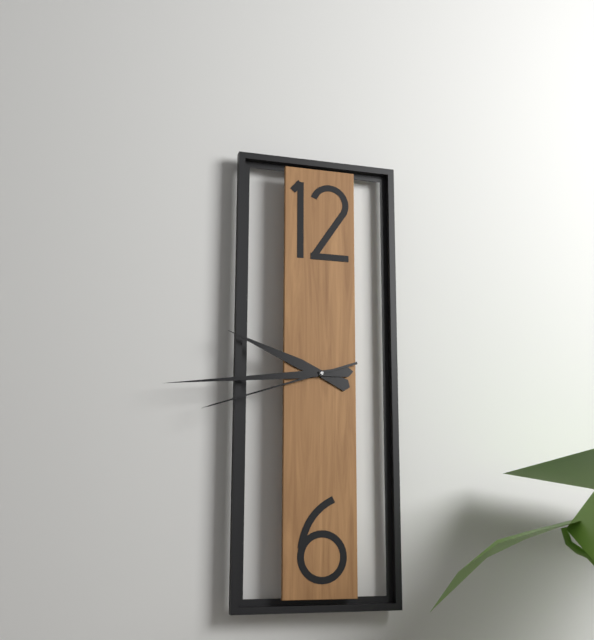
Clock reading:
{"hour": 9, "minute": 44, "second": 42}
